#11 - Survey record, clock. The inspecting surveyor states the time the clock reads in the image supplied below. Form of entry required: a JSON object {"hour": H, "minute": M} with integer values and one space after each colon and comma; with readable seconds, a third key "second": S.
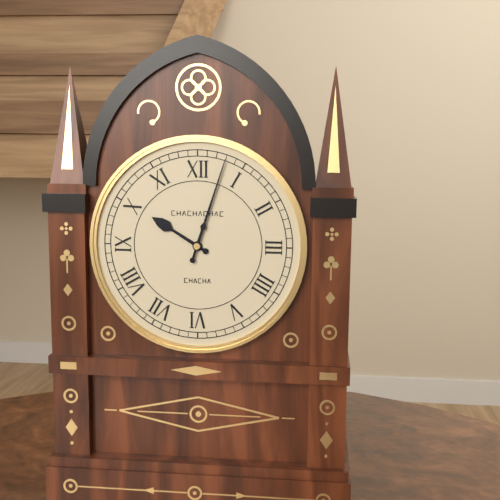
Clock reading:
{"hour": 10, "minute": 3}
